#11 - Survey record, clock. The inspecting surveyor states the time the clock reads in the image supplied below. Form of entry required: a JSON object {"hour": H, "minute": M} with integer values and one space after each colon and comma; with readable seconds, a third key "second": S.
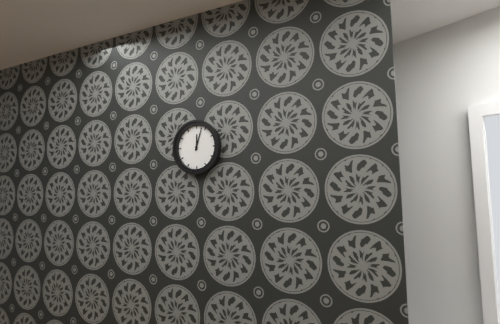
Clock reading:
{"hour": 12, "minute": 3}
